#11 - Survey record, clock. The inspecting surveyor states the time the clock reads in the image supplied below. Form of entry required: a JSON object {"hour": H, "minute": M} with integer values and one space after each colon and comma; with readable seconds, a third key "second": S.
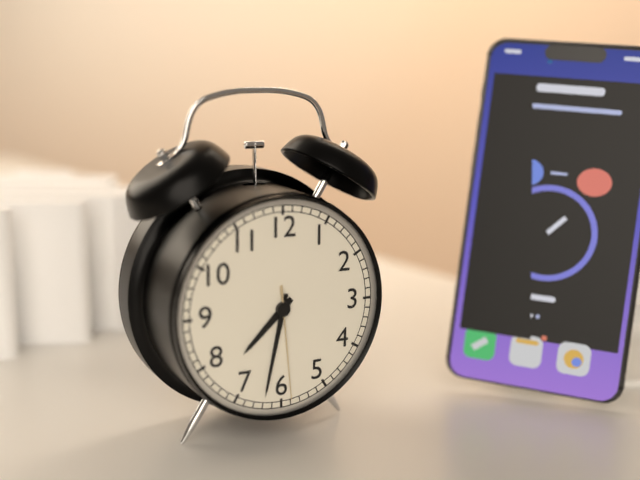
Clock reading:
{"hour": 7, "minute": 32, "second": 29}
